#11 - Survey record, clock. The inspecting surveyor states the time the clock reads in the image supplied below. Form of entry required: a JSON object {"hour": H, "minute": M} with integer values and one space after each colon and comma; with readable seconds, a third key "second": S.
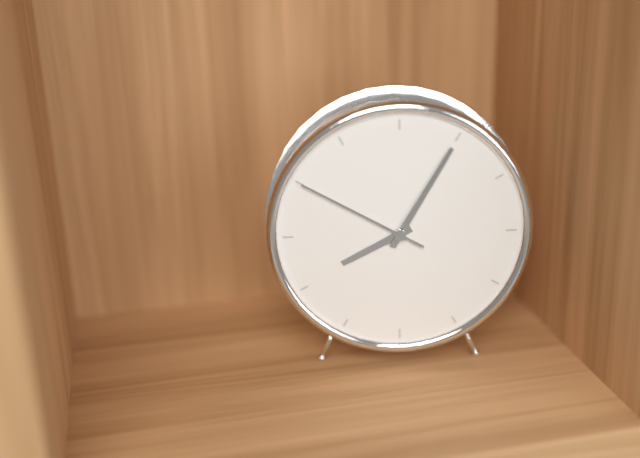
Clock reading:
{"hour": 8, "minute": 5, "second": 50}
